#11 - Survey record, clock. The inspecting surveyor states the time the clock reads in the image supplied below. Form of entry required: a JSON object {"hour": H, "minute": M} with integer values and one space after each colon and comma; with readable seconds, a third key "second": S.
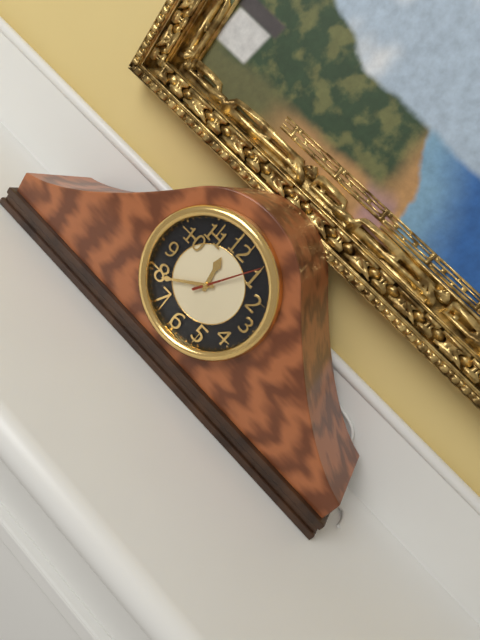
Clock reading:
{"hour": 11, "minute": 39, "second": 5}
